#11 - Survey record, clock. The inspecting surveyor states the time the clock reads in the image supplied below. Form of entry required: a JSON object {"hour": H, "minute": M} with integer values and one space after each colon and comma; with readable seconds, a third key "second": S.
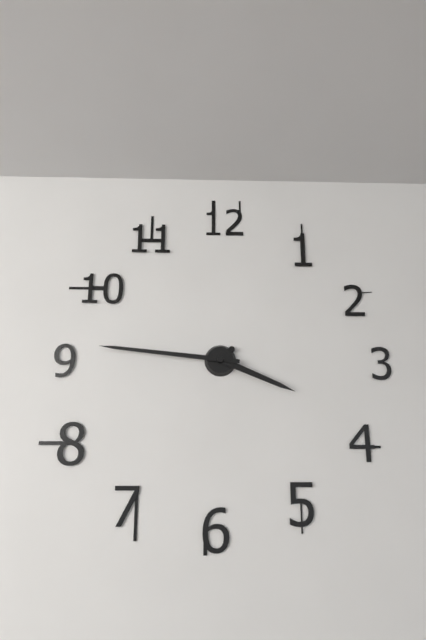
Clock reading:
{"hour": 3, "minute": 46}
